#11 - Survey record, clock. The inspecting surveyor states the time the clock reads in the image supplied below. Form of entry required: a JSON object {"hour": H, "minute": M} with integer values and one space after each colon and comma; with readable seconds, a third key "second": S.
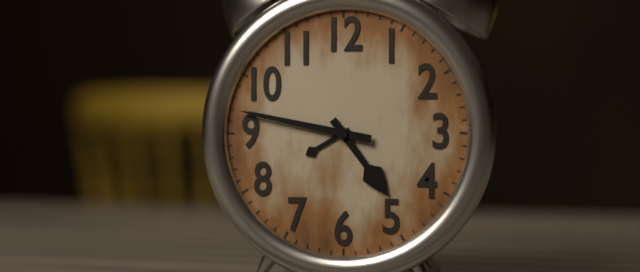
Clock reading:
{"hour": 4, "minute": 47}
